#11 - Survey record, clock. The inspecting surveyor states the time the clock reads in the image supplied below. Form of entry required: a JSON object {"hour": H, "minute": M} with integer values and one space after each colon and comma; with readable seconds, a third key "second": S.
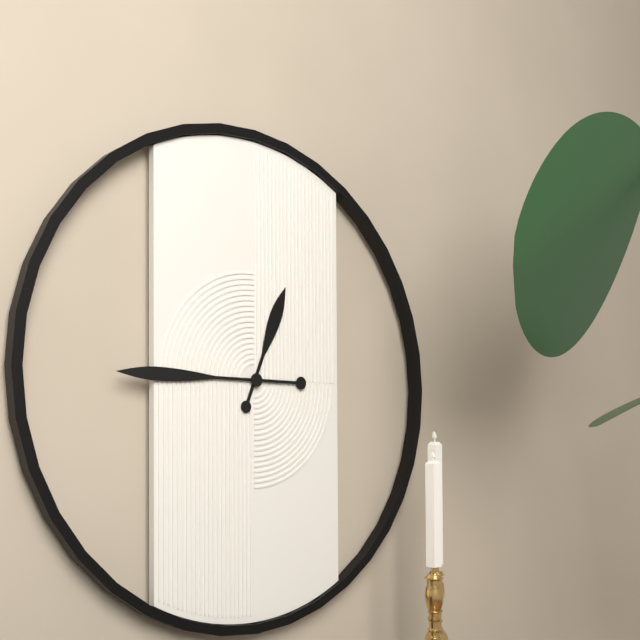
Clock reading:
{"hour": 12, "minute": 45}
